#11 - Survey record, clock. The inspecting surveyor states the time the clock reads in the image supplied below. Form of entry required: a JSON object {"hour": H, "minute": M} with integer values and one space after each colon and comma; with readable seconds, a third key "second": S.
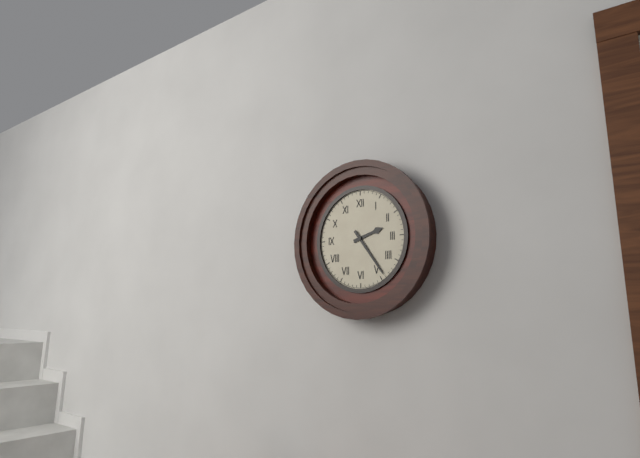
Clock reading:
{"hour": 2, "minute": 24}
